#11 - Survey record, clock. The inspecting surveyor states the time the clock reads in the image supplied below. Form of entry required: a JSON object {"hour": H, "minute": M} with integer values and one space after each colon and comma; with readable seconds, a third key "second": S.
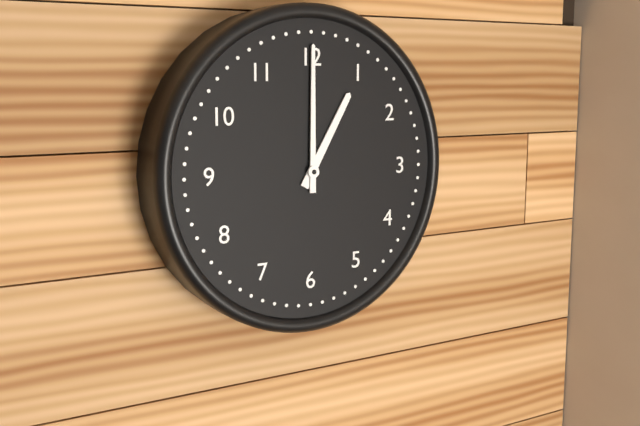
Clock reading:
{"hour": 1, "minute": 0}
